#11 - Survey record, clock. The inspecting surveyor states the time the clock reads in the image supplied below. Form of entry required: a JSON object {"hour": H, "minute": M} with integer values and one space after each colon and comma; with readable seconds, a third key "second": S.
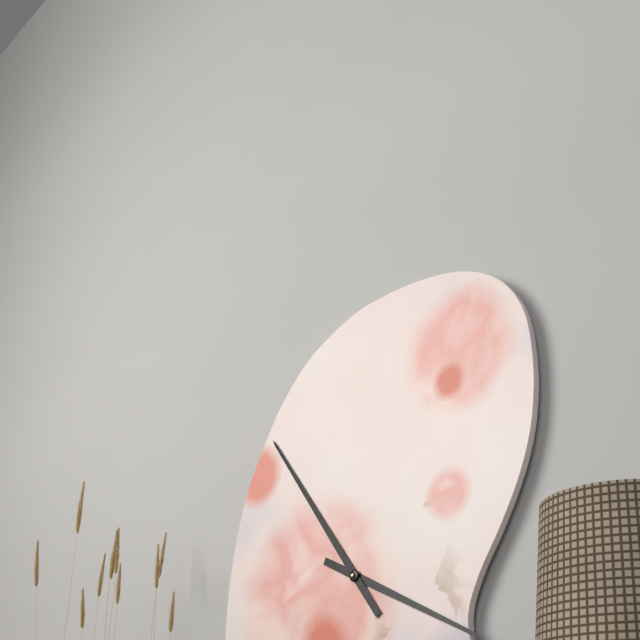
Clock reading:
{"hour": 3, "minute": 54}
